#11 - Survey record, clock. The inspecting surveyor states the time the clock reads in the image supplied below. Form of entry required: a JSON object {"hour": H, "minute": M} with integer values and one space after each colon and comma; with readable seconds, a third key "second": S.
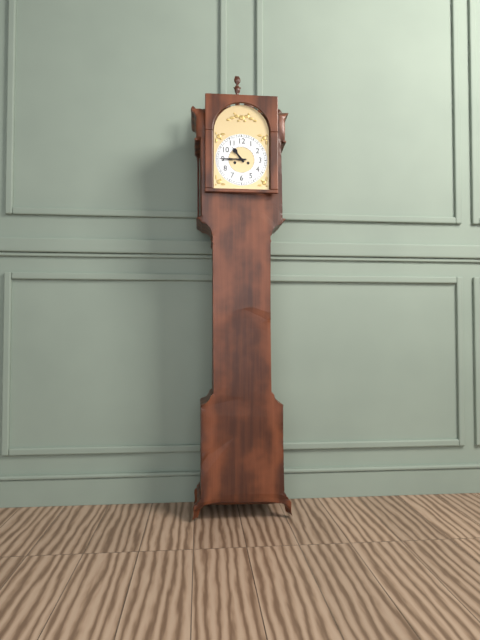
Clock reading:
{"hour": 10, "minute": 45}
